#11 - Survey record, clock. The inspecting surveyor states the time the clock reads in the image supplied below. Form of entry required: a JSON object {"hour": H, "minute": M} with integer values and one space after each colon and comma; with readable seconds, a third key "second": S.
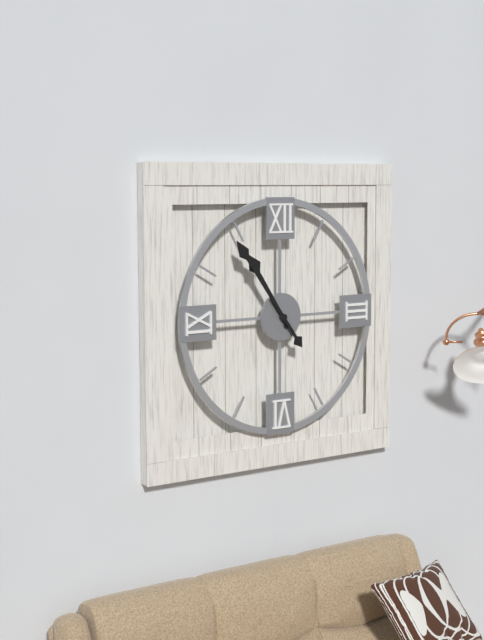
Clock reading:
{"hour": 10, "minute": 54}
